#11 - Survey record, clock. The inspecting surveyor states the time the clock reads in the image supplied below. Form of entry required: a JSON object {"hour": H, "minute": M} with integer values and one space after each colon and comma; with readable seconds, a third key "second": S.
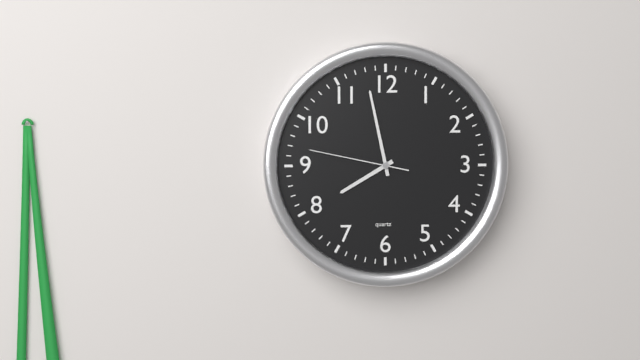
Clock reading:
{"hour": 7, "minute": 58, "second": 47}
